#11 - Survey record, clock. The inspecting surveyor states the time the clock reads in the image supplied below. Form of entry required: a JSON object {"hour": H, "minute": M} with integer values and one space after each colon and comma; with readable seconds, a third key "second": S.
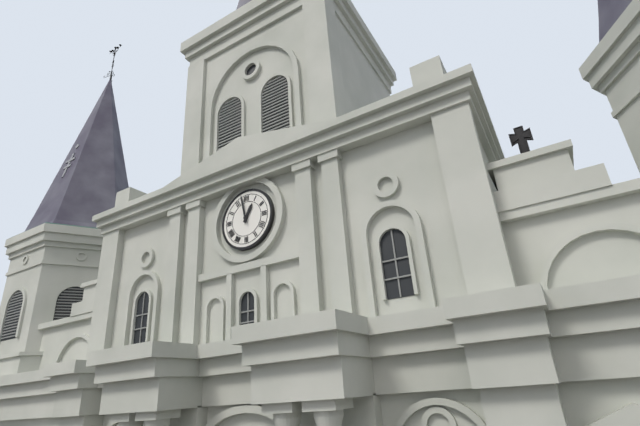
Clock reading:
{"hour": 12, "minute": 58}
